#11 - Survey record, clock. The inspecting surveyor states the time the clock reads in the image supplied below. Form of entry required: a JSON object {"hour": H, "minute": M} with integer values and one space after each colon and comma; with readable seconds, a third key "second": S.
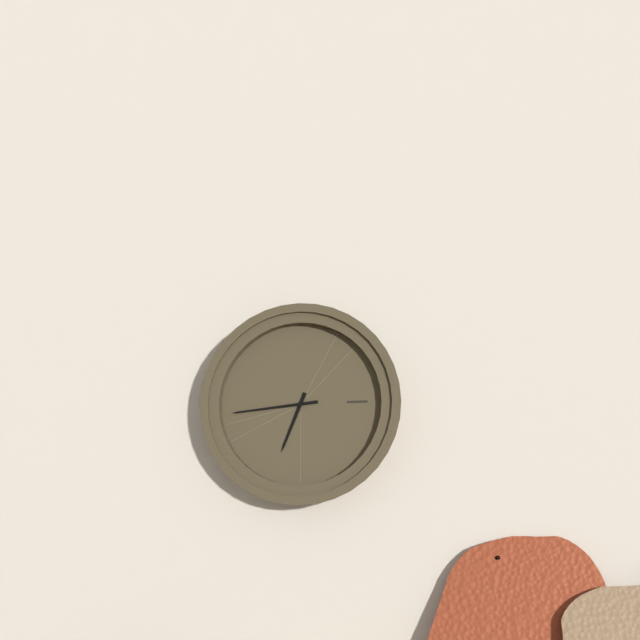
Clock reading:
{"hour": 6, "minute": 44}
